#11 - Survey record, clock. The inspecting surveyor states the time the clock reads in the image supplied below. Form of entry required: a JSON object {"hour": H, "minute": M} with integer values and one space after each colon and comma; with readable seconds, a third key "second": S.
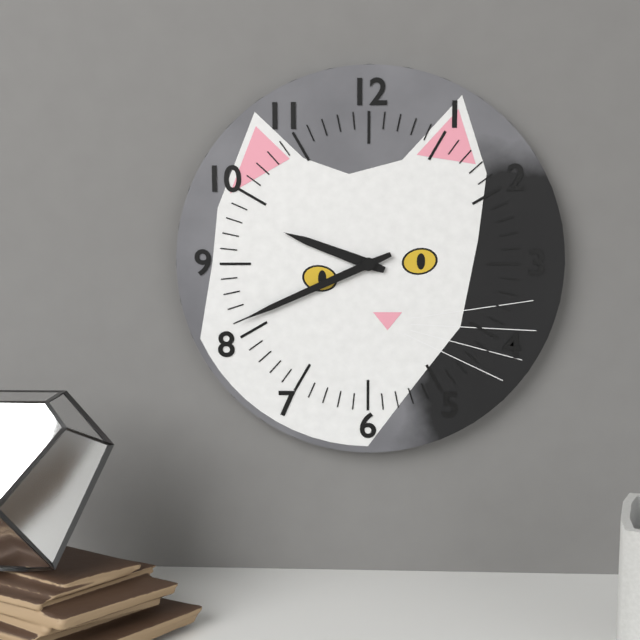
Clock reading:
{"hour": 9, "minute": 41}
